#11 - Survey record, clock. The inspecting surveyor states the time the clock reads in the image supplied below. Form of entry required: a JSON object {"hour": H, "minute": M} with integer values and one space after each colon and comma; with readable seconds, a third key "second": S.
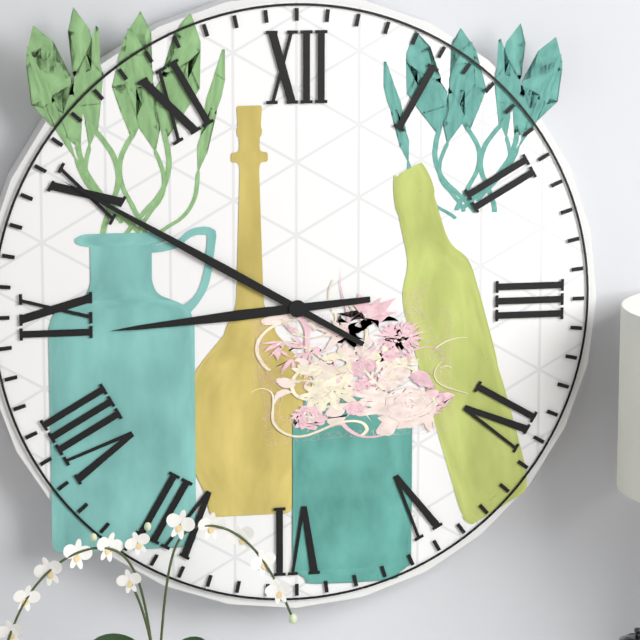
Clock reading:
{"hour": 8, "minute": 50}
